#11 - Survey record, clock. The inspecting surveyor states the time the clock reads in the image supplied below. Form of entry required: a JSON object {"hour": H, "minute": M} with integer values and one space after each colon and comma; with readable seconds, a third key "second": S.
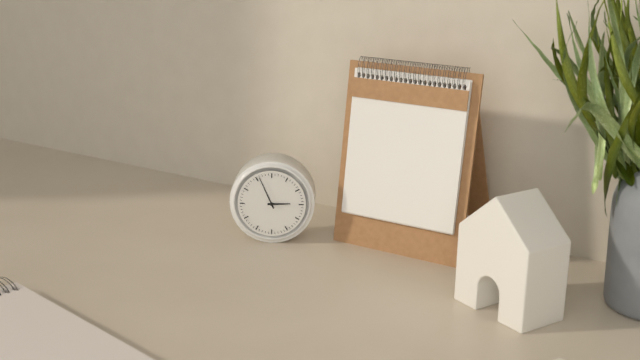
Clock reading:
{"hour": 2, "minute": 56}
